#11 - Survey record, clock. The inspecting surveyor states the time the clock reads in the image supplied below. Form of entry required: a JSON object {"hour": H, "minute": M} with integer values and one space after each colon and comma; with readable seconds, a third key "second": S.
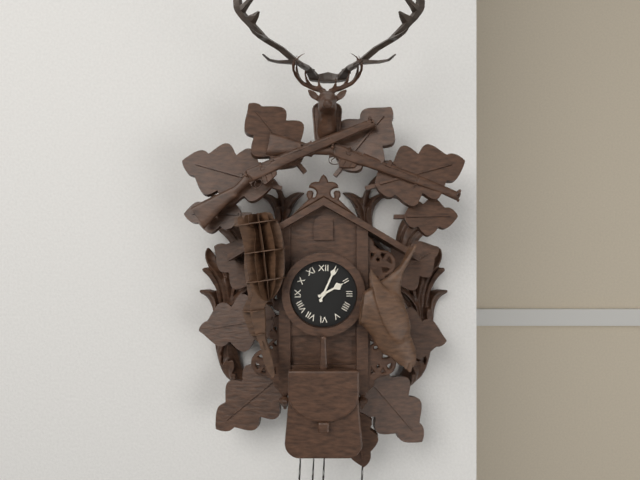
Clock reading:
{"hour": 2, "minute": 4}
